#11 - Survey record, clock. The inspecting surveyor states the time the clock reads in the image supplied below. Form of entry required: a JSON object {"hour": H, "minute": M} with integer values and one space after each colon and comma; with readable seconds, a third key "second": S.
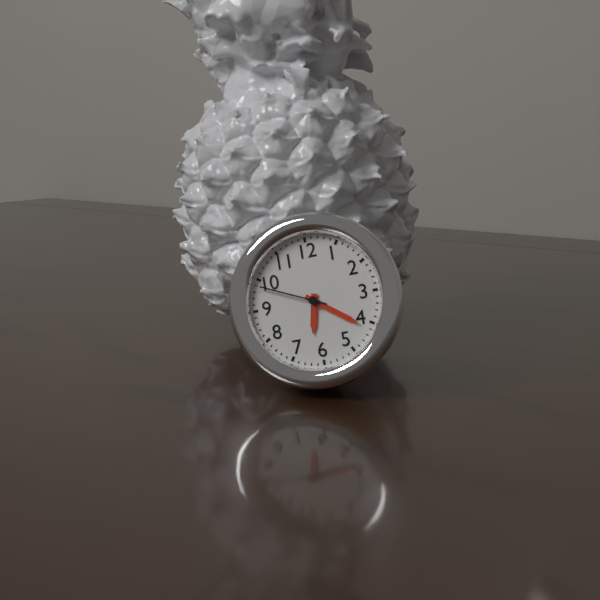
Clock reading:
{"hour": 6, "minute": 21, "second": 49}
